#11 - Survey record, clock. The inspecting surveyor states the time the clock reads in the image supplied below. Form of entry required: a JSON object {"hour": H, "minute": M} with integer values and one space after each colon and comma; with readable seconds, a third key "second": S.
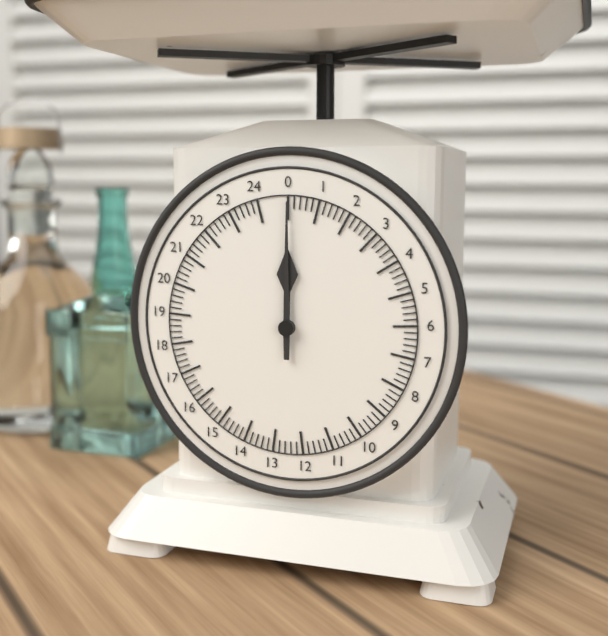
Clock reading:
{"hour": 12, "minute": 0}
